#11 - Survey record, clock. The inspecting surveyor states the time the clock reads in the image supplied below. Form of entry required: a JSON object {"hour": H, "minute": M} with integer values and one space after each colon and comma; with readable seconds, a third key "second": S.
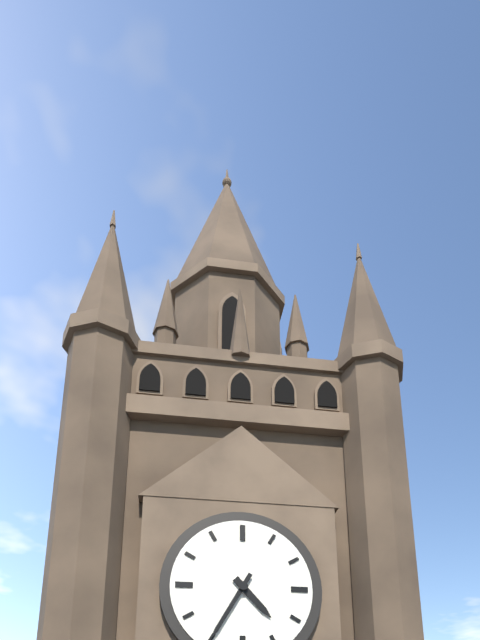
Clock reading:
{"hour": 4, "minute": 35}
